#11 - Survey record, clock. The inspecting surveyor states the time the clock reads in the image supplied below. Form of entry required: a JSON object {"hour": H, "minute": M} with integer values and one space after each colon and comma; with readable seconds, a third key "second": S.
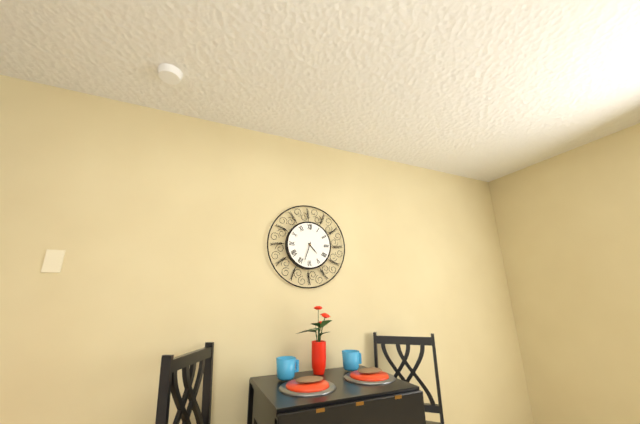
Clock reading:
{"hour": 4, "minute": 33}
